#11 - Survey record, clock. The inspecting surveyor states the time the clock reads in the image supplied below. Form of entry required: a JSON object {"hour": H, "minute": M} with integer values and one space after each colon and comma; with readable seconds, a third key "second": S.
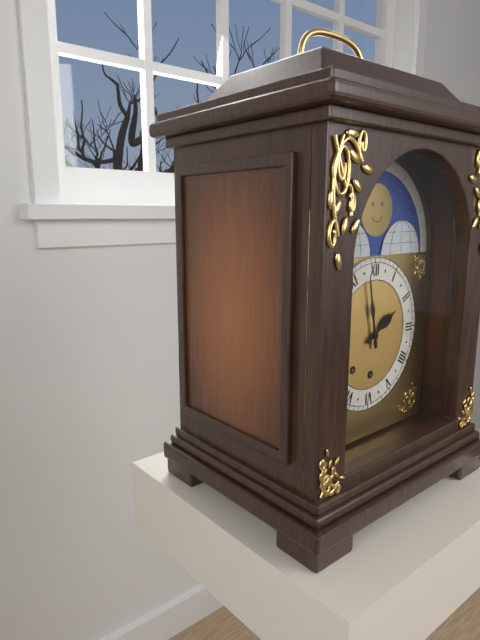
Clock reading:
{"hour": 1, "minute": 58}
